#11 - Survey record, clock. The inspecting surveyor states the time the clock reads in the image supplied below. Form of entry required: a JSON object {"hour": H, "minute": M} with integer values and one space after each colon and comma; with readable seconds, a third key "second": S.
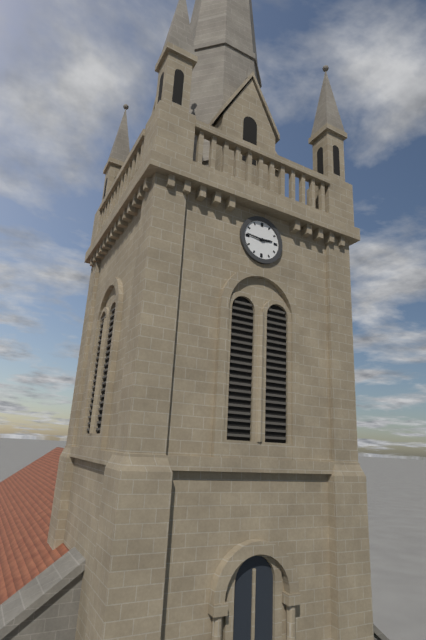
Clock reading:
{"hour": 2, "minute": 46}
